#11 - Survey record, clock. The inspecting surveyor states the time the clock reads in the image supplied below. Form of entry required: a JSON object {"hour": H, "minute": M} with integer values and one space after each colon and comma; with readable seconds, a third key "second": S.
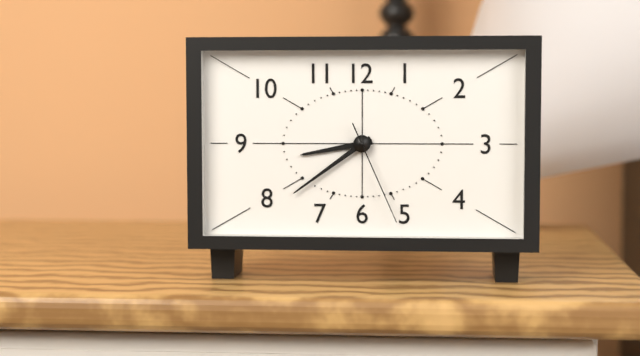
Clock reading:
{"hour": 8, "minute": 39, "second": 26}
